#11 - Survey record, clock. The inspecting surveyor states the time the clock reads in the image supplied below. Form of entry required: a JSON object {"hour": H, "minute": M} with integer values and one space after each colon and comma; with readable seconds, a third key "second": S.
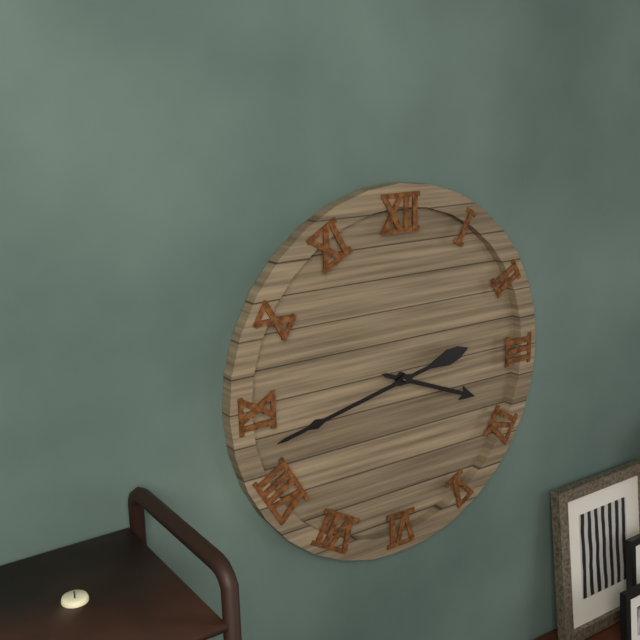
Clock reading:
{"hour": 3, "minute": 43}
